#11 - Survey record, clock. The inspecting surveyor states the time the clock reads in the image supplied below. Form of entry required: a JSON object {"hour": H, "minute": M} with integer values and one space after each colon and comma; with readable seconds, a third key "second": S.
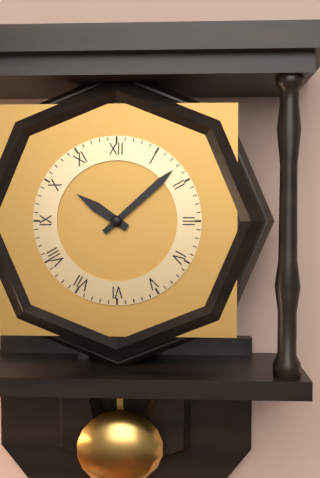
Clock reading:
{"hour": 10, "minute": 8}
